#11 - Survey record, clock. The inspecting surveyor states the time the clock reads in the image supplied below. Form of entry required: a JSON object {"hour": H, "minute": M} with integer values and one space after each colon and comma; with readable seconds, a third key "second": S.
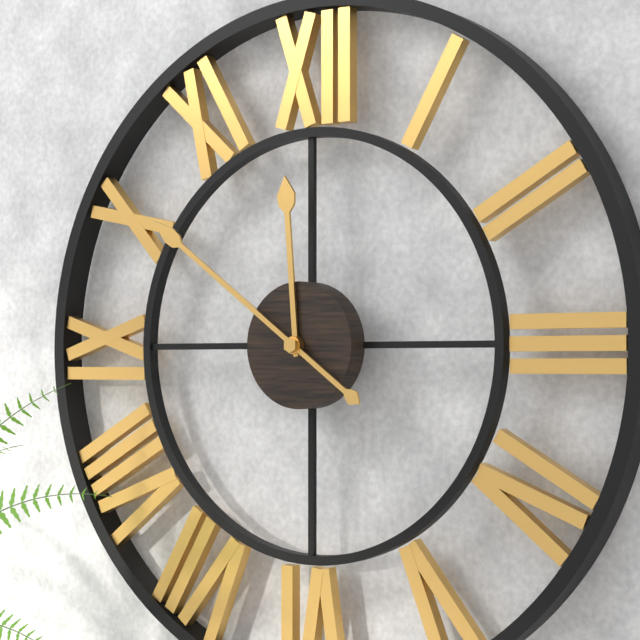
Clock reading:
{"hour": 11, "minute": 51}
